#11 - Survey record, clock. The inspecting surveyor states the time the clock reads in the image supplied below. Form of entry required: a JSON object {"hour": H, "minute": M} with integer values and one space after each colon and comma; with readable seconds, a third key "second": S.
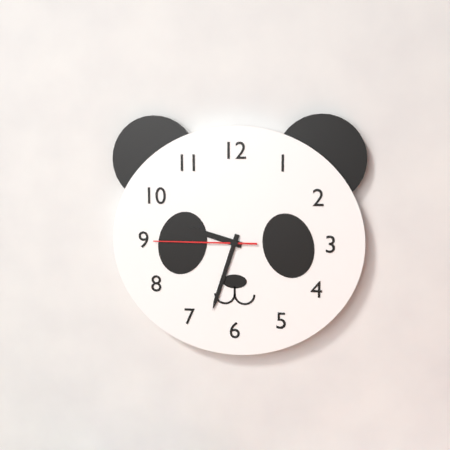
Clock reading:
{"hour": 9, "minute": 33, "second": 45}
